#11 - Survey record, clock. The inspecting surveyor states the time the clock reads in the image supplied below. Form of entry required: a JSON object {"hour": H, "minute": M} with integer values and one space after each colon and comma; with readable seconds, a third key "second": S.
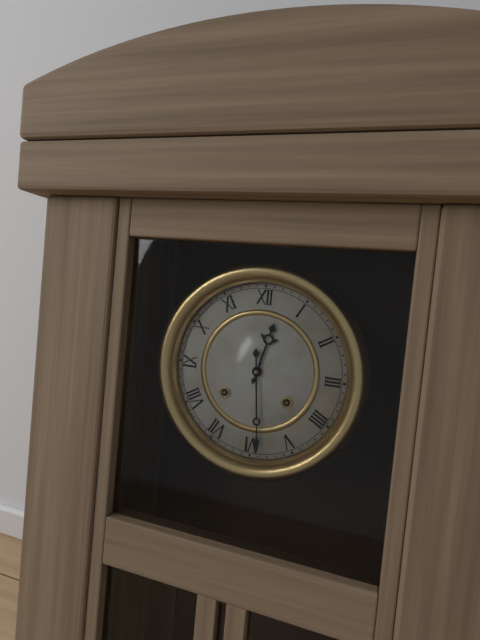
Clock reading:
{"hour": 12, "minute": 29}
